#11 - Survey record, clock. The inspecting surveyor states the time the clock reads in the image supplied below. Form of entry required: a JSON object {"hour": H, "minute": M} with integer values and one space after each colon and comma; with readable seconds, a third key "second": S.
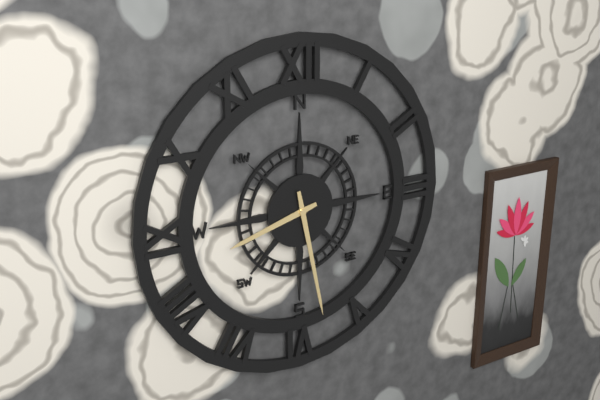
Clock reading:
{"hour": 8, "minute": 28}
